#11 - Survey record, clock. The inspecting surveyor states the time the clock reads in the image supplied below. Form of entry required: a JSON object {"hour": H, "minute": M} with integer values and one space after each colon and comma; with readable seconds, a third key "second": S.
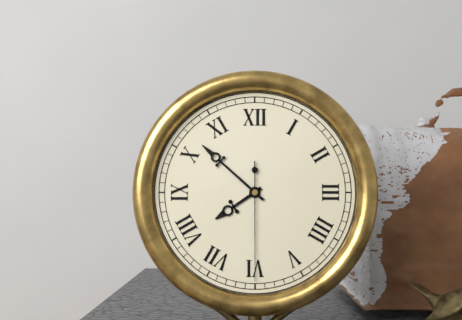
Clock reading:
{"hour": 7, "minute": 52, "second": 30}
